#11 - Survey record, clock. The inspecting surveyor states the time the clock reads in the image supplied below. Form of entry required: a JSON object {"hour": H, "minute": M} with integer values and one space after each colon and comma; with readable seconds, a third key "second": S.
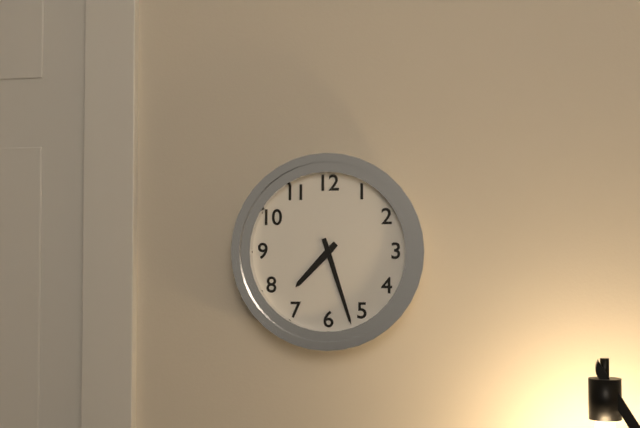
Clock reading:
{"hour": 7, "minute": 27}
